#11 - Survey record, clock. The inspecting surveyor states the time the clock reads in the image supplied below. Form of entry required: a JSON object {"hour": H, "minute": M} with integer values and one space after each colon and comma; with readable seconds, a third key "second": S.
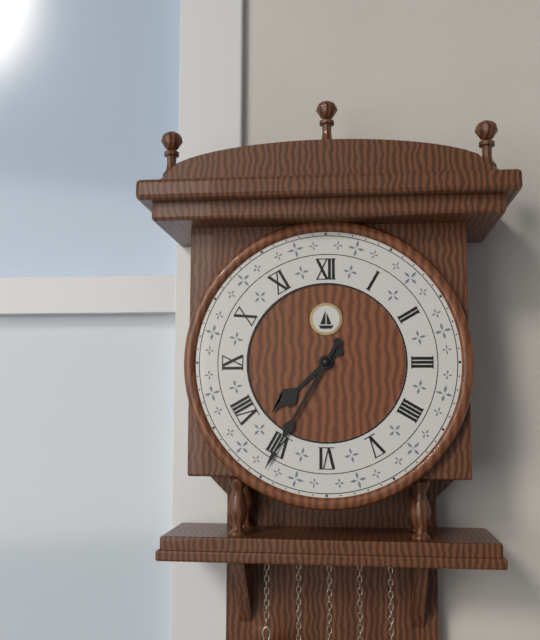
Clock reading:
{"hour": 7, "minute": 35}
